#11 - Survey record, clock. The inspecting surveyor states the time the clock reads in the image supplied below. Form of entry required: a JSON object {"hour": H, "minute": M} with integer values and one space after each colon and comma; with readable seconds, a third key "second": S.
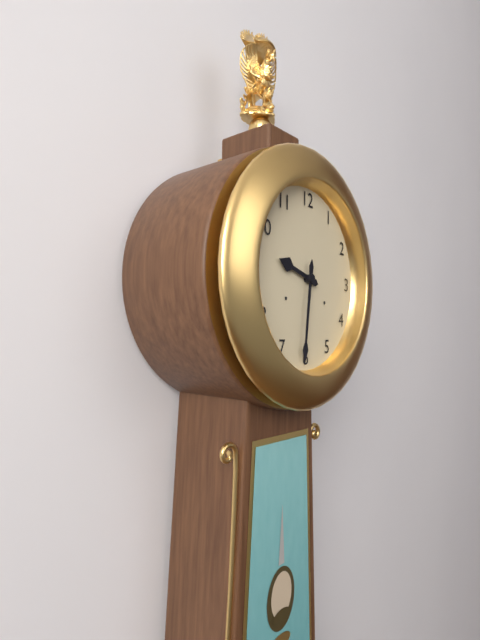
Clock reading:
{"hour": 9, "minute": 31}
